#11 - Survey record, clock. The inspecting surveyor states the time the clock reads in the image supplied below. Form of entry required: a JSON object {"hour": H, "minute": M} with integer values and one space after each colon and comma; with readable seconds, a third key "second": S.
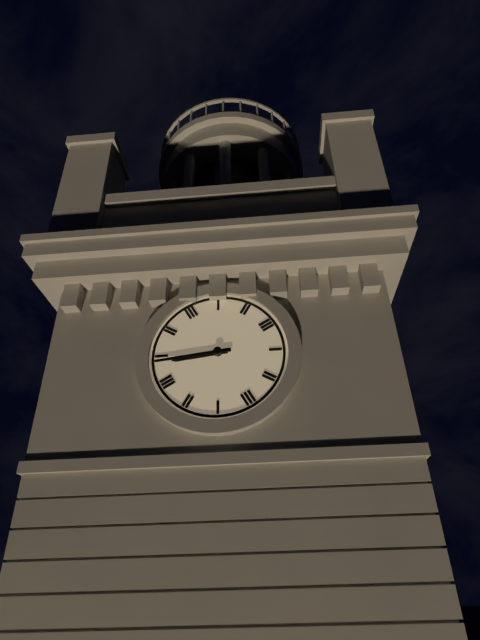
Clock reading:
{"hour": 8, "minute": 44}
